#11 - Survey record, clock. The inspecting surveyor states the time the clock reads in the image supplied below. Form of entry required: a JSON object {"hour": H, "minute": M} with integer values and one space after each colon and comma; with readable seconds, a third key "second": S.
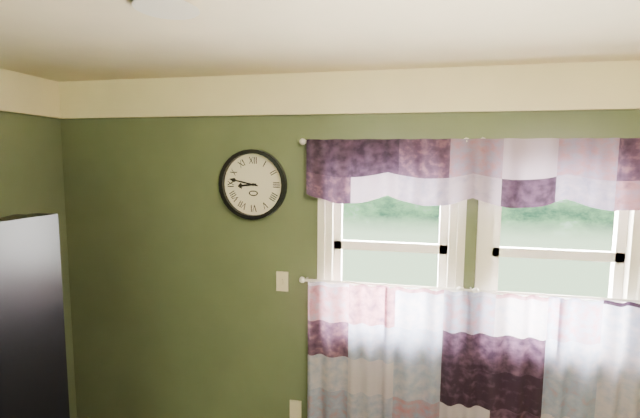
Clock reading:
{"hour": 8, "minute": 47}
